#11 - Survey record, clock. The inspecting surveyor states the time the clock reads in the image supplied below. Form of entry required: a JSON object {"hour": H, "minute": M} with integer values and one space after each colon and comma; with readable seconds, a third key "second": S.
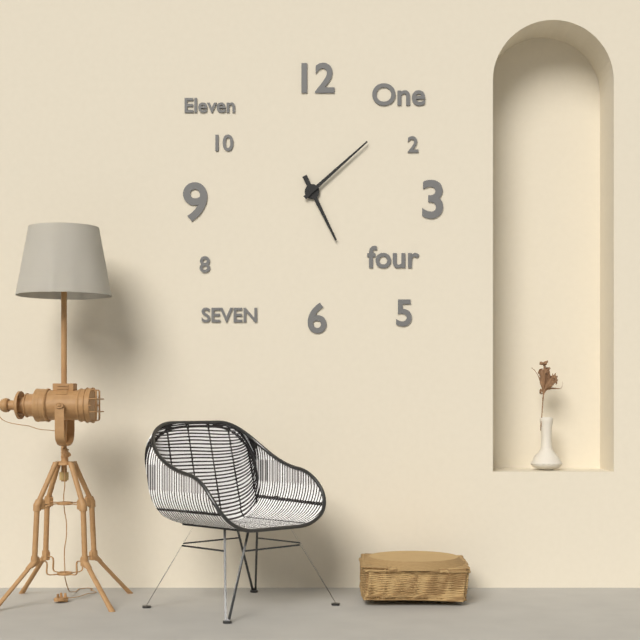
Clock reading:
{"hour": 5, "minute": 8}
